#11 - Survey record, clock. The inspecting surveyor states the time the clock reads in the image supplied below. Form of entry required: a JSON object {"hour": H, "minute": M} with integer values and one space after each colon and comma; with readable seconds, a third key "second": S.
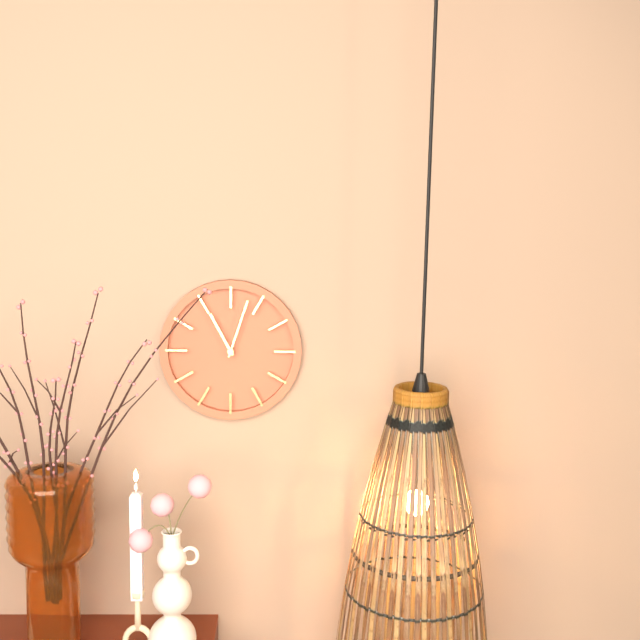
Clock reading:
{"hour": 11, "minute": 3}
